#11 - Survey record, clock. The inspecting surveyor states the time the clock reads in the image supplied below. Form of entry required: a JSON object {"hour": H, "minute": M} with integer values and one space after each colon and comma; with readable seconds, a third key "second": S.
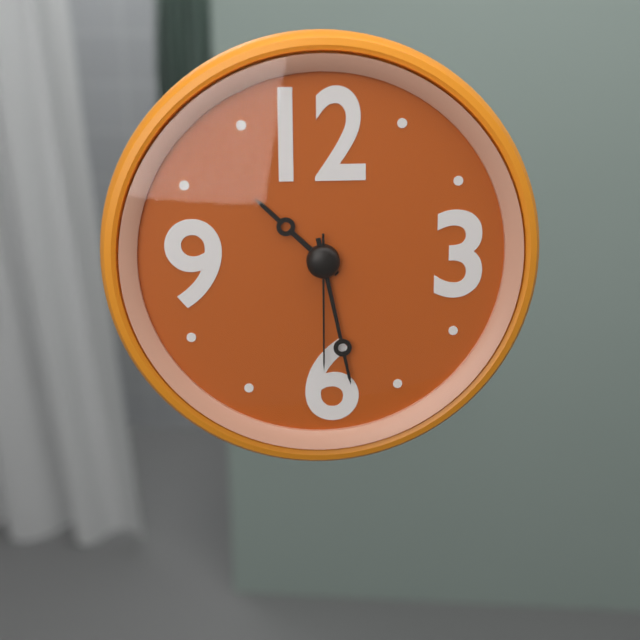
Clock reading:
{"hour": 10, "minute": 28, "second": 30}
